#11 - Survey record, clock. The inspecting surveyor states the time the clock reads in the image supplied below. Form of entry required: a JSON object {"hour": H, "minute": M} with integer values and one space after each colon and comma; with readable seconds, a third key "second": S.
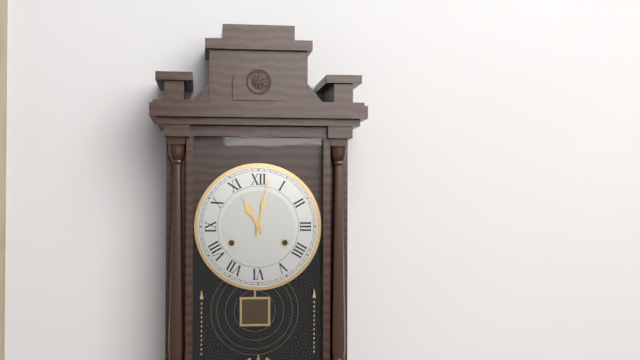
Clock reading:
{"hour": 11, "minute": 2}
